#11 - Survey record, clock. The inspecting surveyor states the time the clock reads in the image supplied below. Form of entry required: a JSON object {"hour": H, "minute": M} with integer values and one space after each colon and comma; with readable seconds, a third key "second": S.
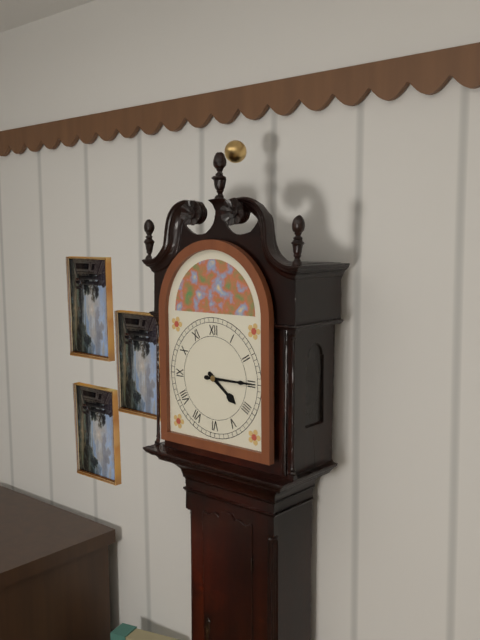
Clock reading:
{"hour": 4, "minute": 15}
